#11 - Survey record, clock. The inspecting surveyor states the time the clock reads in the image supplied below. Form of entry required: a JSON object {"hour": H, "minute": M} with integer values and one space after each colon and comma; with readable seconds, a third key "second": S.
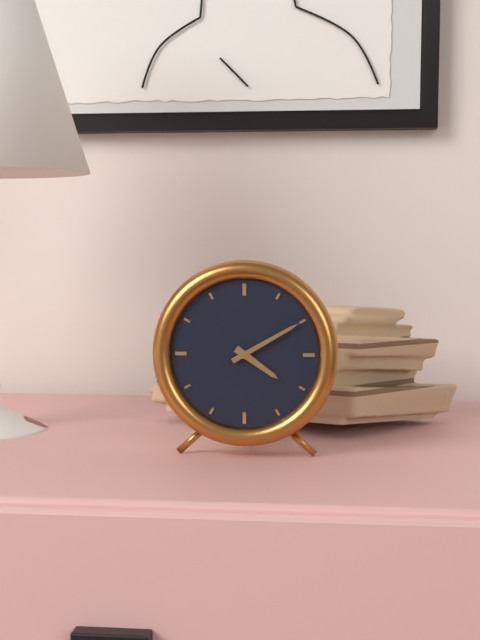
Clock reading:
{"hour": 4, "minute": 10}
